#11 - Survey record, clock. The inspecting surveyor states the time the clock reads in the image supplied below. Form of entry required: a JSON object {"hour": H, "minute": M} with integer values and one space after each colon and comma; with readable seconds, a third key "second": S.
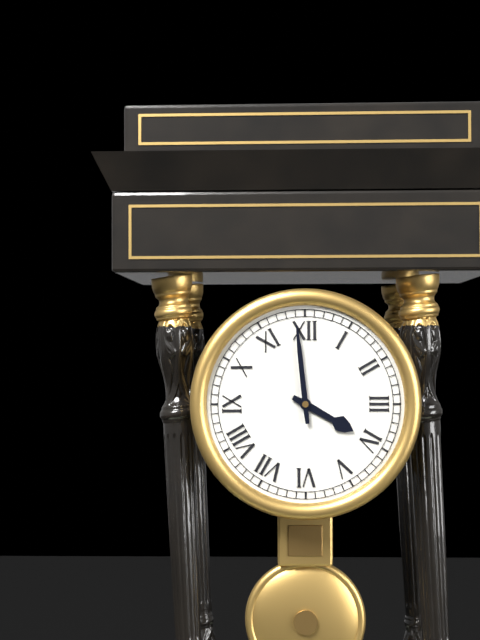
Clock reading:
{"hour": 3, "minute": 59}
